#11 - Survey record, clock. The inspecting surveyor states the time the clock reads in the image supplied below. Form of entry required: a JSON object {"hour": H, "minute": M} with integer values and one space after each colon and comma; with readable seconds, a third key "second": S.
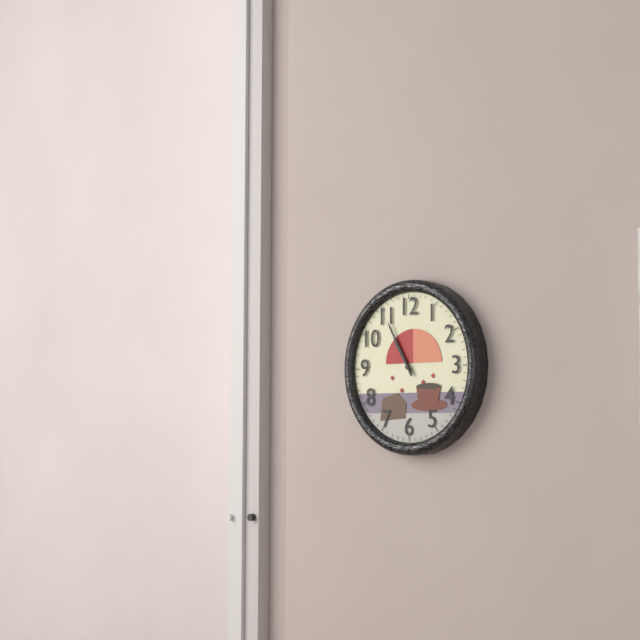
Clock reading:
{"hour": 10, "minute": 55}
